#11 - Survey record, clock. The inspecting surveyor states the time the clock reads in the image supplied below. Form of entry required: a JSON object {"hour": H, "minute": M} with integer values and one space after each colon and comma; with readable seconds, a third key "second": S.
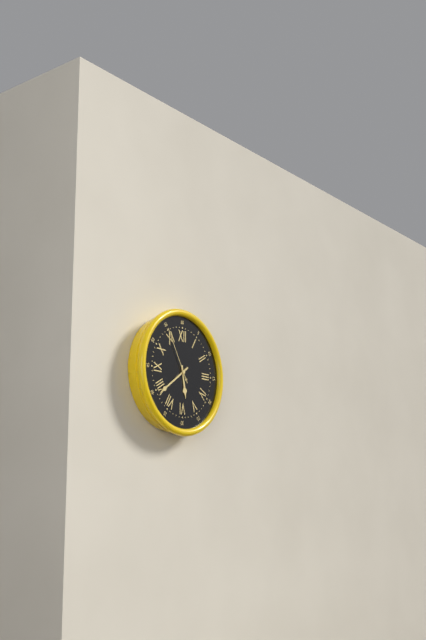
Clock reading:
{"hour": 5, "minute": 39, "second": 55}
